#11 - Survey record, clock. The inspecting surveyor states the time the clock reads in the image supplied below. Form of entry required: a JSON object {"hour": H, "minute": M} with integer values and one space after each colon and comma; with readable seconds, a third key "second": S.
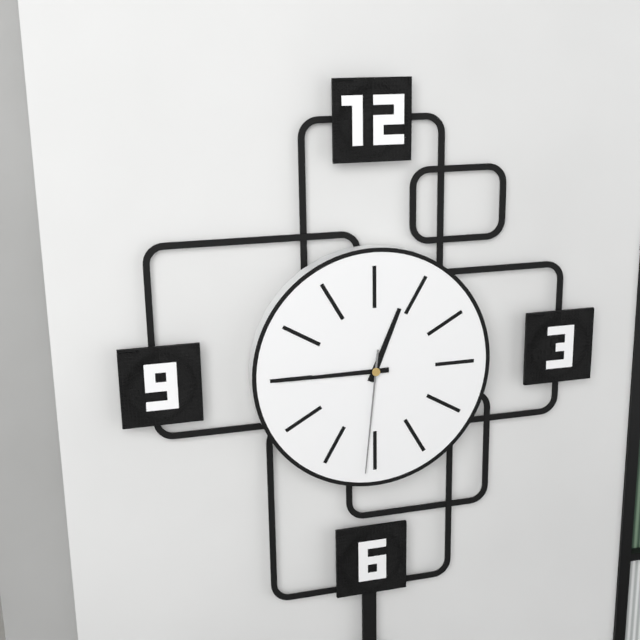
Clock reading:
{"hour": 12, "minute": 45, "second": 31}
